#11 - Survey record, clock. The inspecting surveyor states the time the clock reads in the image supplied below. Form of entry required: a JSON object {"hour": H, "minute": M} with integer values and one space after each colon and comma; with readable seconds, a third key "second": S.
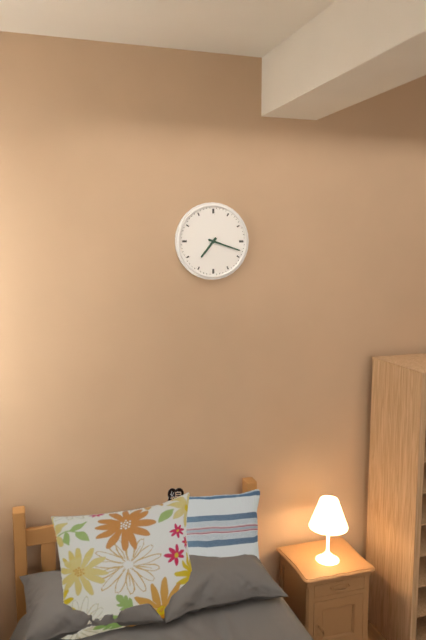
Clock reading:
{"hour": 7, "minute": 18}
